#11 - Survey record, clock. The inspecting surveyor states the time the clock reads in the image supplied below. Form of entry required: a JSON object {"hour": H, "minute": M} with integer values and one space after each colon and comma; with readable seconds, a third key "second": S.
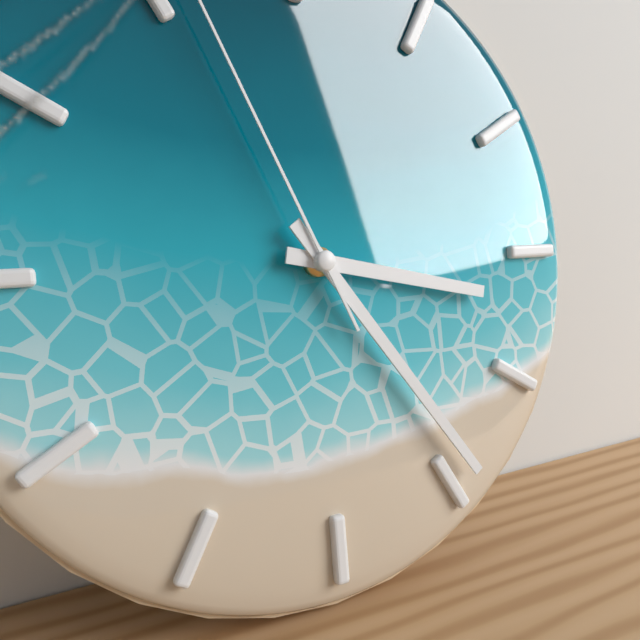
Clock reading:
{"hour": 3, "minute": 24}
